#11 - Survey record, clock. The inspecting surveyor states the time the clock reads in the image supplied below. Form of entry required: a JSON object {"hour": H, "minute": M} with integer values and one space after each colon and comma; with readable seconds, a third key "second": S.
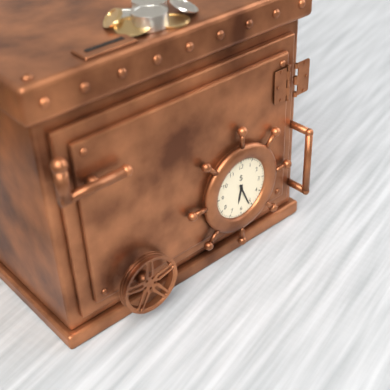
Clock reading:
{"hour": 6, "minute": 26}
